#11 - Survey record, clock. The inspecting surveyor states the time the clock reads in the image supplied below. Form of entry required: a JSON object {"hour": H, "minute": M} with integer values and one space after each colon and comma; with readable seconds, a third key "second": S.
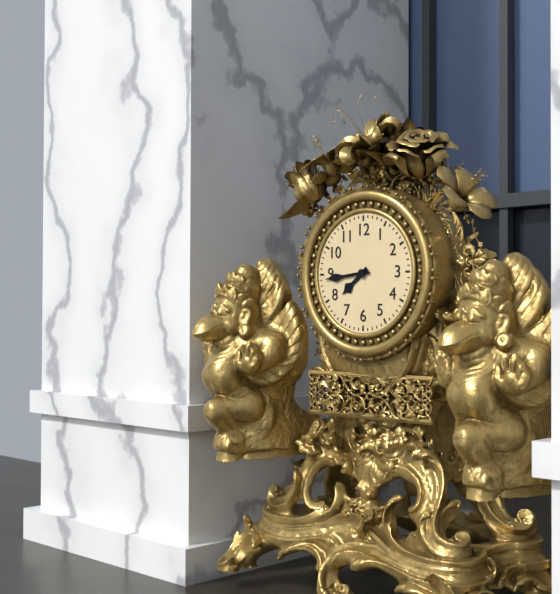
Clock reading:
{"hour": 7, "minute": 44}
